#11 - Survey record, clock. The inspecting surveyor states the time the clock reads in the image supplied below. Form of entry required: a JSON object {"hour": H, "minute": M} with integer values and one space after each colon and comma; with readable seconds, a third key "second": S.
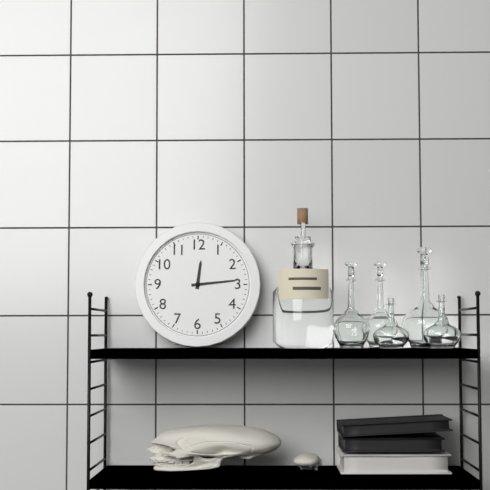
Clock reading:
{"hour": 12, "minute": 14}
